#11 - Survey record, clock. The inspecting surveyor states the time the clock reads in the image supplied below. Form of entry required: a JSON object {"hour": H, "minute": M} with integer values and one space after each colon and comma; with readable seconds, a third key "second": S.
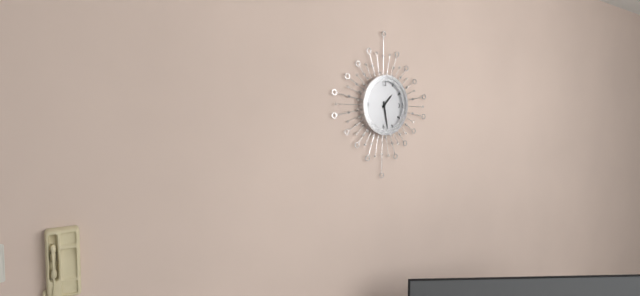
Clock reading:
{"hour": 1, "minute": 28}
